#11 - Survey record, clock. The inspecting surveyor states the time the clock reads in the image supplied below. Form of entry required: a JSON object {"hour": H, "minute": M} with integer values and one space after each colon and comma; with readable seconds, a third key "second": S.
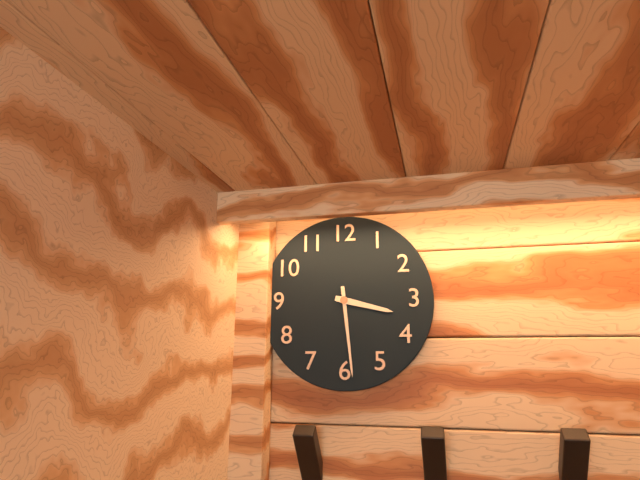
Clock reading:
{"hour": 3, "minute": 29}
